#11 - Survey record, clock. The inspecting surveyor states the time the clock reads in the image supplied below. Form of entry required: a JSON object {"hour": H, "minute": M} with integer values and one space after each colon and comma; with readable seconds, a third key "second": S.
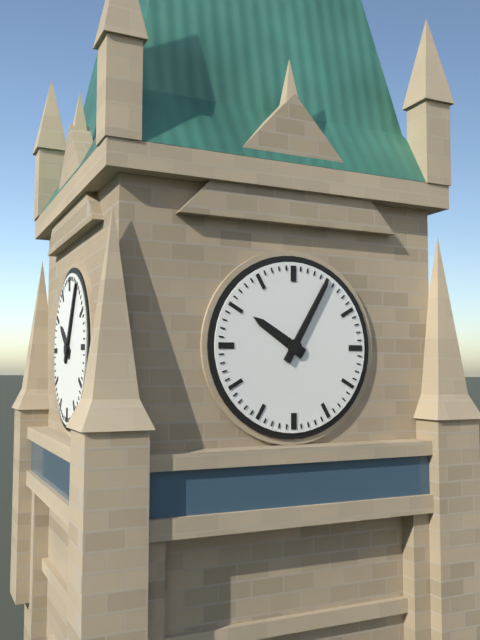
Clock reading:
{"hour": 10, "minute": 5}
